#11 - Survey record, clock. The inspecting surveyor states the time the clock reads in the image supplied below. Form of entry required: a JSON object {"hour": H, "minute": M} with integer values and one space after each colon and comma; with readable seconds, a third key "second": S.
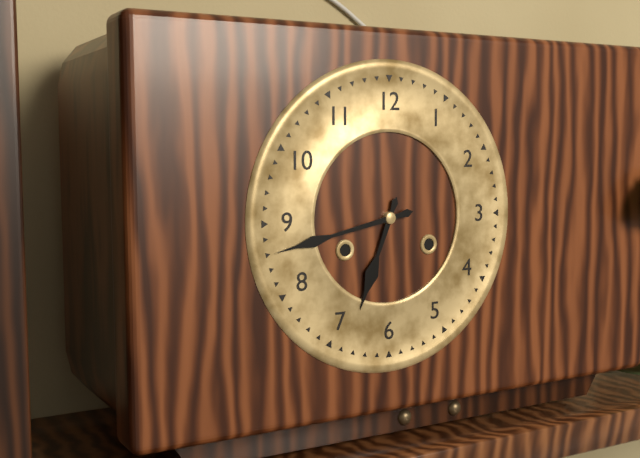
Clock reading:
{"hour": 6, "minute": 43}
